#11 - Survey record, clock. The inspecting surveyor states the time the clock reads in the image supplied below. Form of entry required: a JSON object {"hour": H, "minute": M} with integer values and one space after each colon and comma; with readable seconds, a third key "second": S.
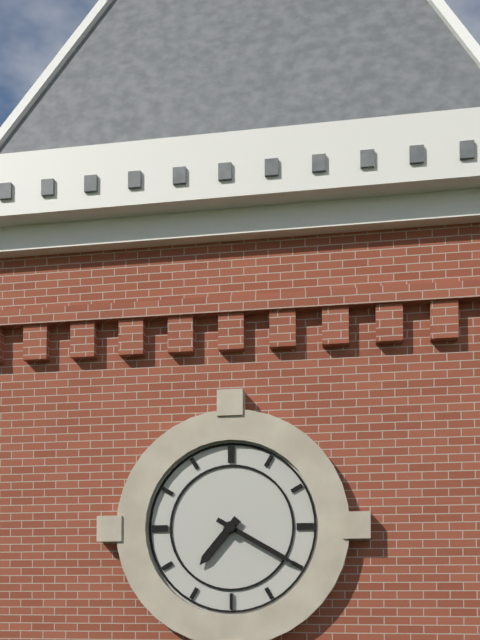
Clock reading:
{"hour": 7, "minute": 20}
